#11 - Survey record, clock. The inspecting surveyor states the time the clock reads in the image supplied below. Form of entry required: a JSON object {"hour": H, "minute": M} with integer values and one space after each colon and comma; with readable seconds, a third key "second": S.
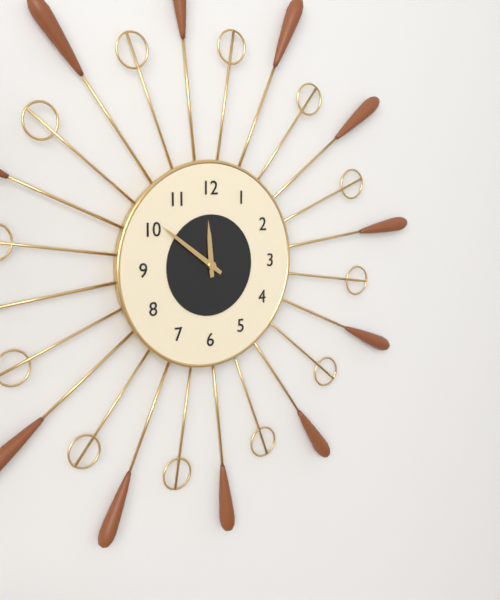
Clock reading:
{"hour": 11, "minute": 51}
